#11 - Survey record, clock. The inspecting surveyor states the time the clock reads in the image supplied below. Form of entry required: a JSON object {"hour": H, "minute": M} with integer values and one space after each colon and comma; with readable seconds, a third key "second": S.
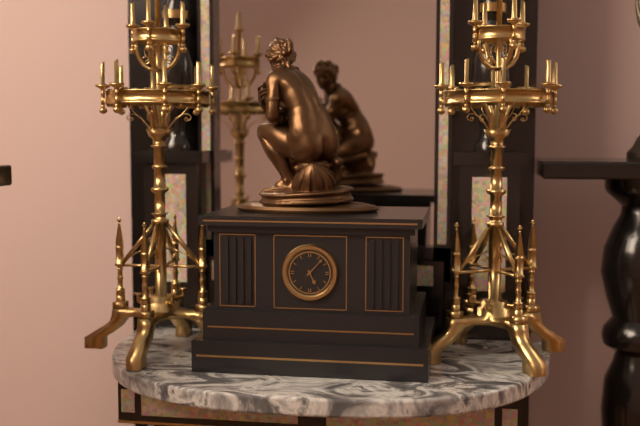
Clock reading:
{"hour": 5, "minute": 7}
